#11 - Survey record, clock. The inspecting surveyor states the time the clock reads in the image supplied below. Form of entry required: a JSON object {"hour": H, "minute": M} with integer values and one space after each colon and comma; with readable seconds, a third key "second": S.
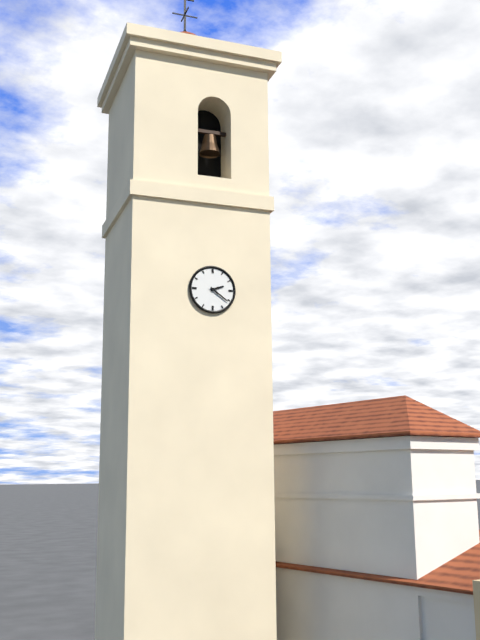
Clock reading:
{"hour": 2, "minute": 21}
